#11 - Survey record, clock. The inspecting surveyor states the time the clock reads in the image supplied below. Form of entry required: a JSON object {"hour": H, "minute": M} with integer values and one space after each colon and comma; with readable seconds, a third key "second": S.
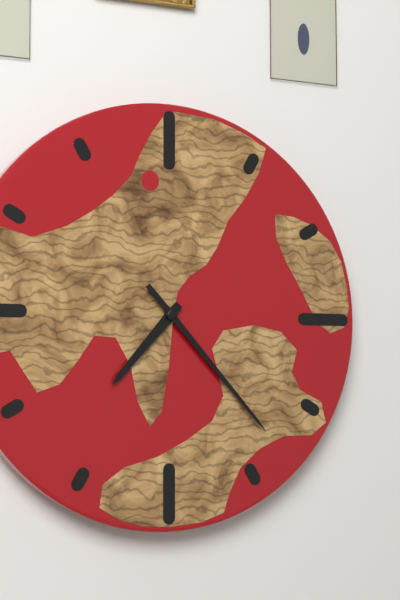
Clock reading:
{"hour": 7, "minute": 23}
